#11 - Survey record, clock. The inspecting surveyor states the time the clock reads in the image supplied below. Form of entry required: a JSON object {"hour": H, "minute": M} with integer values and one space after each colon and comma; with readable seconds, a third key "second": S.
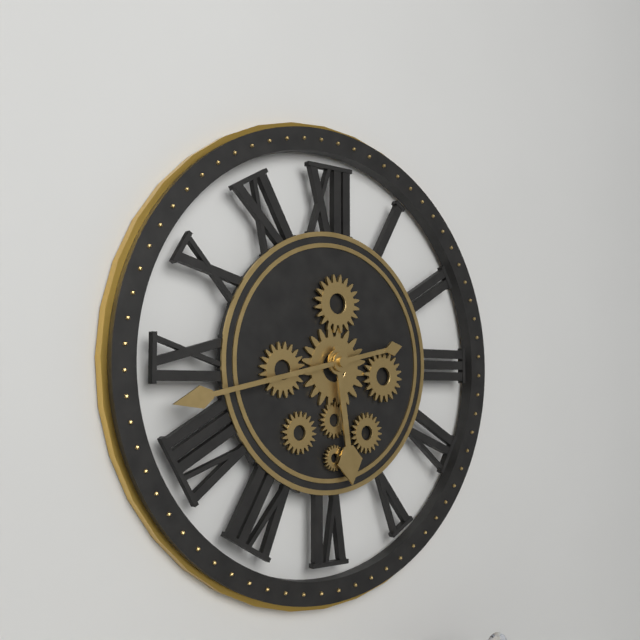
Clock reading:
{"hour": 5, "minute": 43}
